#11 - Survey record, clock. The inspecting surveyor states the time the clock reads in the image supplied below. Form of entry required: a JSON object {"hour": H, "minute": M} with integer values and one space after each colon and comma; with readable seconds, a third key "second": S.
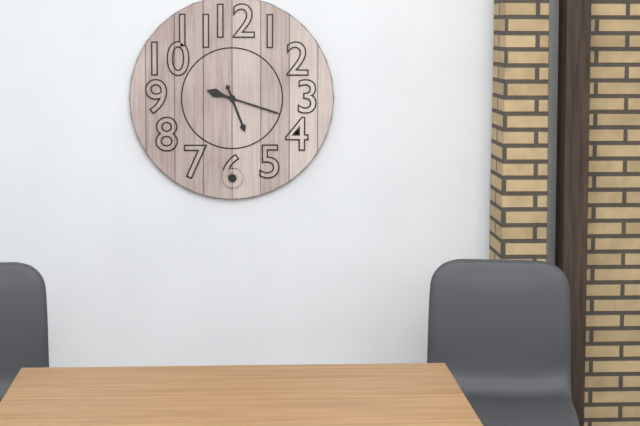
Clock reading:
{"hour": 5, "minute": 18}
